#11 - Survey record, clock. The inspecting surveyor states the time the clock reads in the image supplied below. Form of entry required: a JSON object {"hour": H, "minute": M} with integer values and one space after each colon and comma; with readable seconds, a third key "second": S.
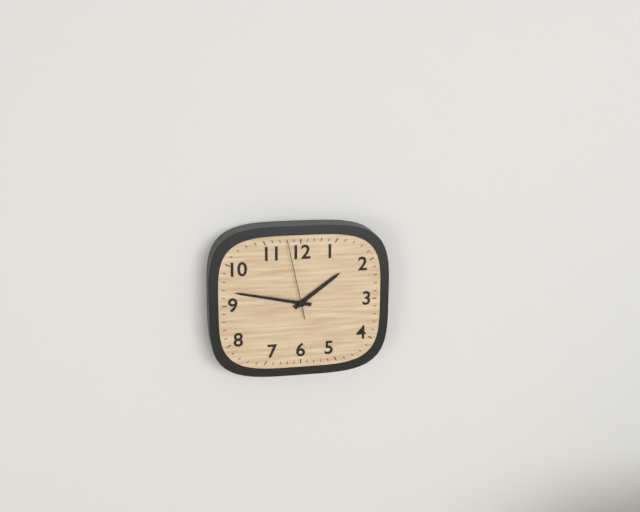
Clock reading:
{"hour": 1, "minute": 47, "second": 58}
